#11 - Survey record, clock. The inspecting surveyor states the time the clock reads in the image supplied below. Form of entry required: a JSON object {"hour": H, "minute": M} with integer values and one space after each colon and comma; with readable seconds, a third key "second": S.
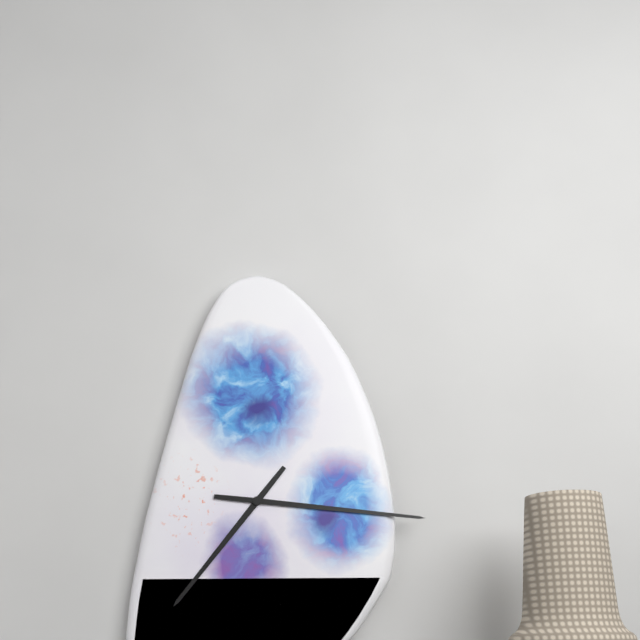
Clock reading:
{"hour": 7, "minute": 16}
